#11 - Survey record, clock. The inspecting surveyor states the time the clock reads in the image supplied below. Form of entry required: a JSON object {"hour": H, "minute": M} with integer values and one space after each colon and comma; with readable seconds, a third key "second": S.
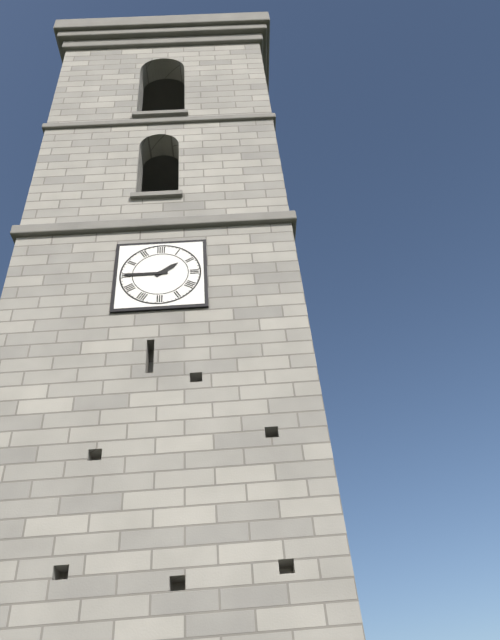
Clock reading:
{"hour": 1, "minute": 45}
